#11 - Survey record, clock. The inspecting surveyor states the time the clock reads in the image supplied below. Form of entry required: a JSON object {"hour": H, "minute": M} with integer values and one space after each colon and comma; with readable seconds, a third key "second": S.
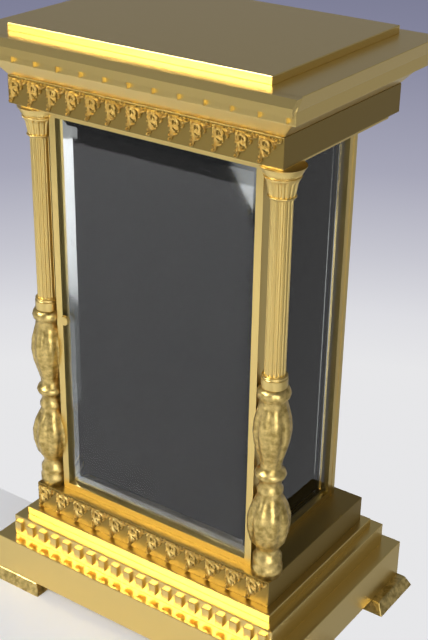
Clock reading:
{"hour": 11, "minute": 1}
